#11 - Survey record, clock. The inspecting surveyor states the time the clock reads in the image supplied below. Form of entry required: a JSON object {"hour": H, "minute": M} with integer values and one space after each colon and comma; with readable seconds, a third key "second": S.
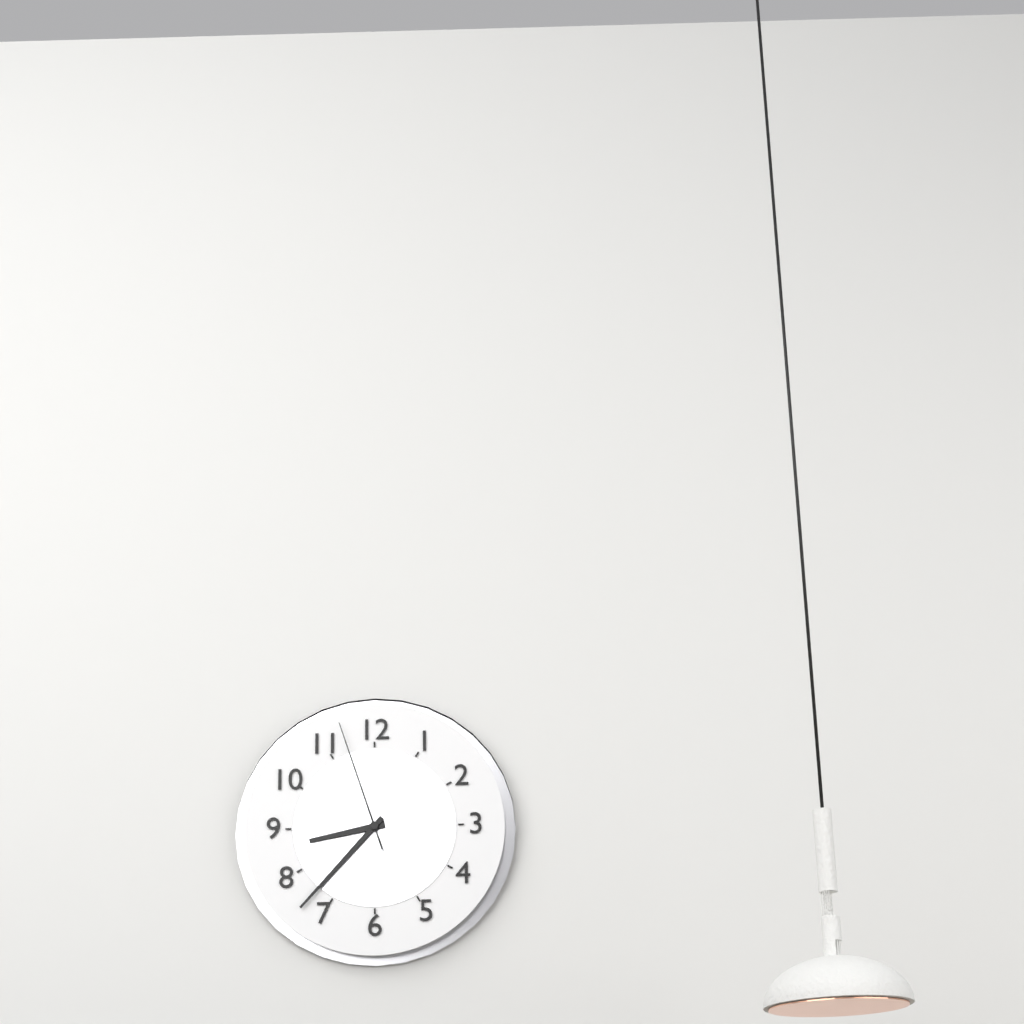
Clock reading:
{"hour": 8, "minute": 37, "second": 57}
